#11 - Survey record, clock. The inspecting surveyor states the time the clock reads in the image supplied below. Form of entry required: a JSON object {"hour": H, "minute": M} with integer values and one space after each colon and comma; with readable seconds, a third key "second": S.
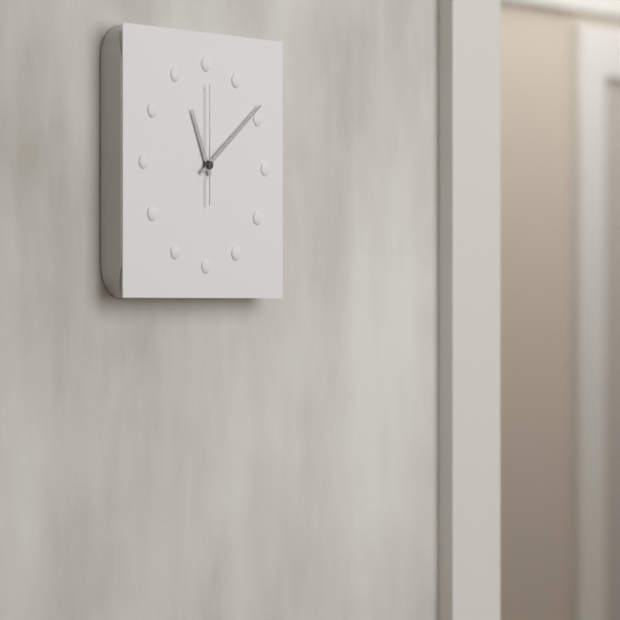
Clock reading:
{"hour": 11, "minute": 9, "second": 0}
